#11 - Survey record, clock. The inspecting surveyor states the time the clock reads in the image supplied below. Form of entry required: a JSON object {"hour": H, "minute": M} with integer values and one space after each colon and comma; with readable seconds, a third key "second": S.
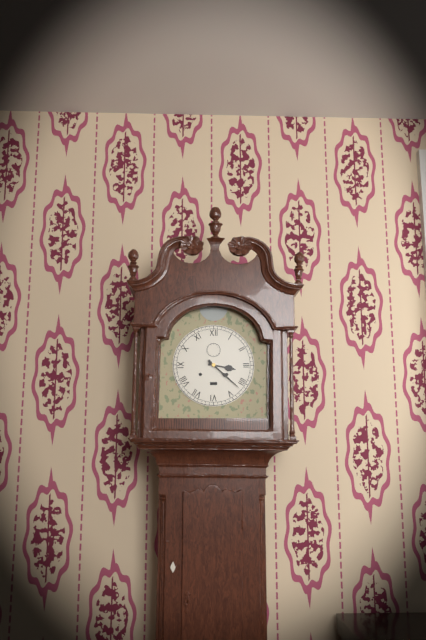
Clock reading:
{"hour": 3, "minute": 22}
